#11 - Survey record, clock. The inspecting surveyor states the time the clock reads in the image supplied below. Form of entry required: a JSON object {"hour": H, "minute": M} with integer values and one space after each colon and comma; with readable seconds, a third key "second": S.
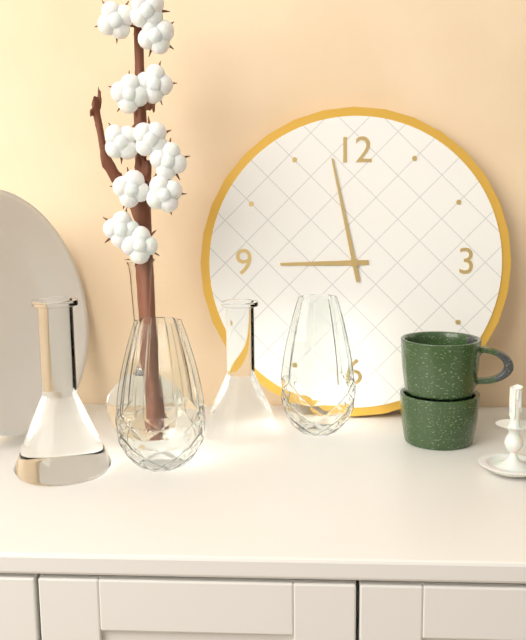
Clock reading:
{"hour": 8, "minute": 58}
